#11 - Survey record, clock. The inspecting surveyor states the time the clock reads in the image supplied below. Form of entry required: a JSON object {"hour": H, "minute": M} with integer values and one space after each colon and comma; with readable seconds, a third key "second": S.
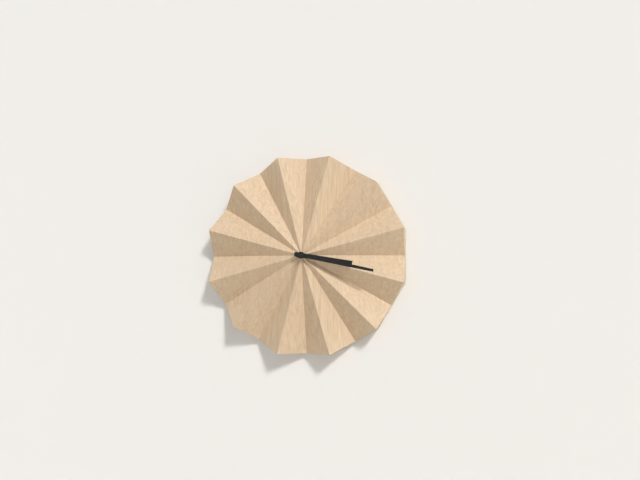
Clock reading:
{"hour": 3, "minute": 17}
